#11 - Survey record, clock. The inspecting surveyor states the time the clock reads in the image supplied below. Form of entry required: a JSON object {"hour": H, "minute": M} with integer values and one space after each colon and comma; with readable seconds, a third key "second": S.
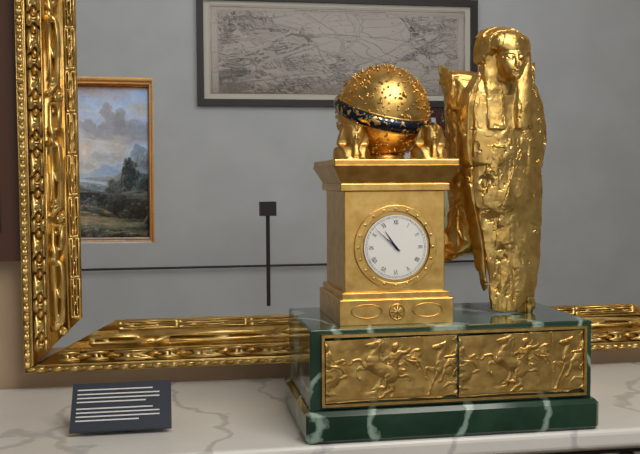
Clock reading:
{"hour": 10, "minute": 52}
